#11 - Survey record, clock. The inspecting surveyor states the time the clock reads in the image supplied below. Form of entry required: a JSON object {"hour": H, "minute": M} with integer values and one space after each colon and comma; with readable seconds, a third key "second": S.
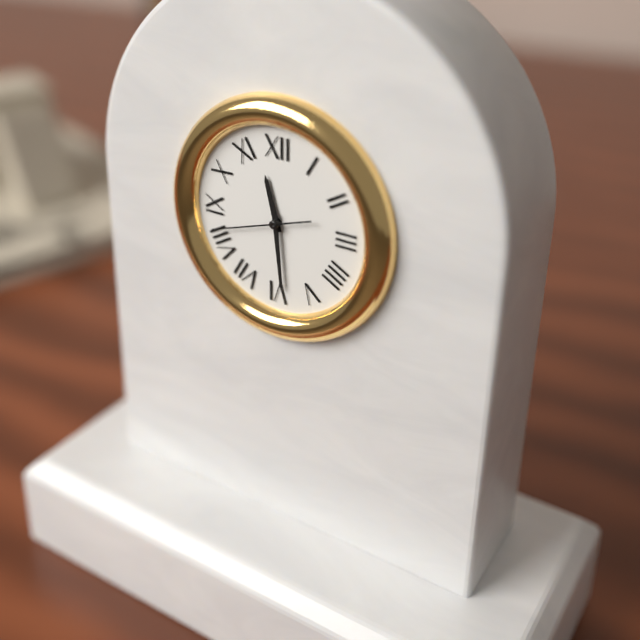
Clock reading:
{"hour": 11, "minute": 29, "second": 42}
